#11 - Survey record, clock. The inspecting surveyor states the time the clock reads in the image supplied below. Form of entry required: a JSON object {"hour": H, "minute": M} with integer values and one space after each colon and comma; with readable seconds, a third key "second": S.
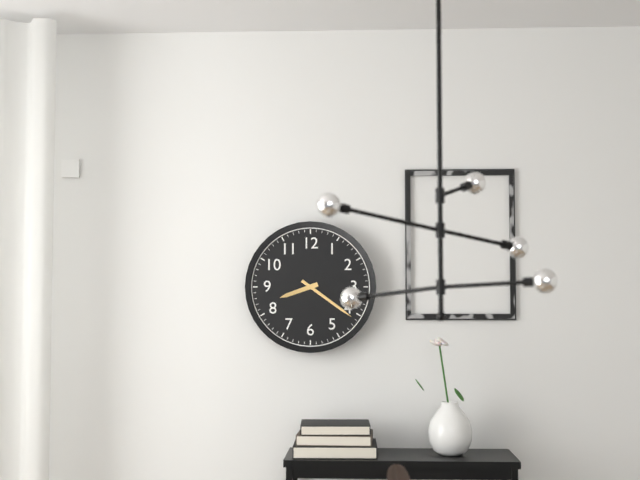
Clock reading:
{"hour": 8, "minute": 21}
